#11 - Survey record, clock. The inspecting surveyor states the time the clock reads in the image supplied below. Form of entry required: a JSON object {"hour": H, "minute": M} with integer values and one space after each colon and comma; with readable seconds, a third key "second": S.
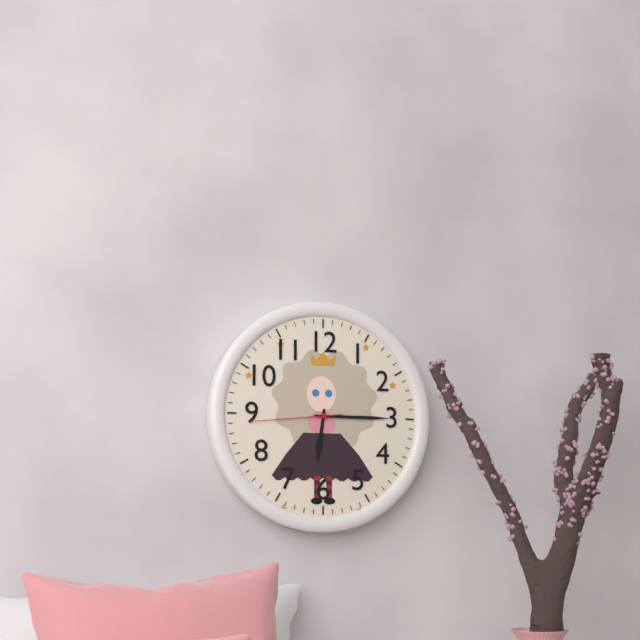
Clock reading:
{"hour": 6, "minute": 15, "second": 44}
